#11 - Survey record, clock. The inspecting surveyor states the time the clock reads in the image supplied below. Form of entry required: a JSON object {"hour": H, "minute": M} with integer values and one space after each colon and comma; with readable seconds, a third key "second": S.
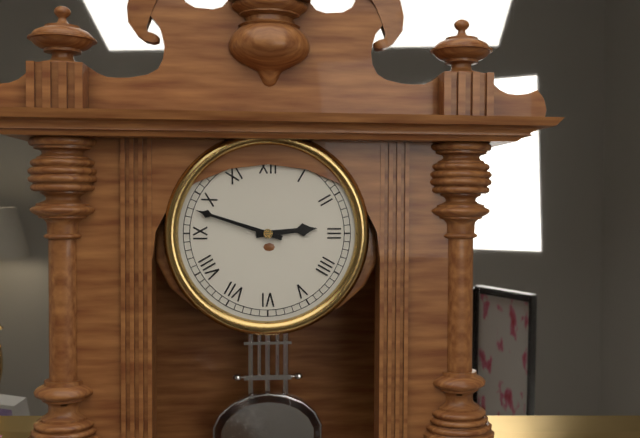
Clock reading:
{"hour": 2, "minute": 48}
